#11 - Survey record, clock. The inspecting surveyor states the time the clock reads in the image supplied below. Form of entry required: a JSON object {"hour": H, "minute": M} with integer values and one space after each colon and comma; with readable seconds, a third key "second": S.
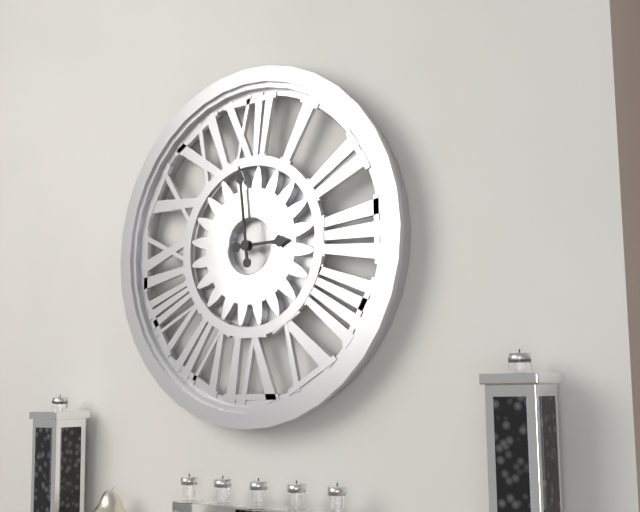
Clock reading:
{"hour": 2, "minute": 59}
